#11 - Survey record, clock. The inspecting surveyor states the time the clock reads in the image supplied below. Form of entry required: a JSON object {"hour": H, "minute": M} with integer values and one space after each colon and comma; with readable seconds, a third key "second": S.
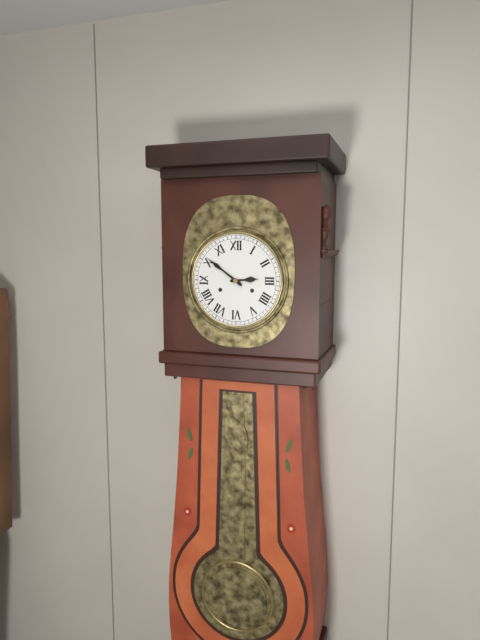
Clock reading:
{"hour": 2, "minute": 51}
